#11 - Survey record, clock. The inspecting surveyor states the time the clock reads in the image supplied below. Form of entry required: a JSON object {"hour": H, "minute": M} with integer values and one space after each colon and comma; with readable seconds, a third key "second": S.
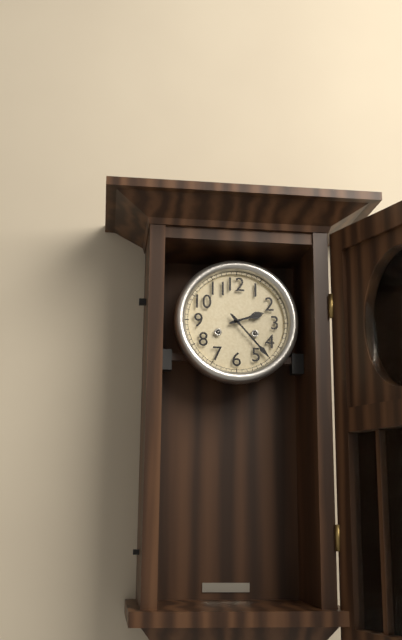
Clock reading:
{"hour": 2, "minute": 23}
